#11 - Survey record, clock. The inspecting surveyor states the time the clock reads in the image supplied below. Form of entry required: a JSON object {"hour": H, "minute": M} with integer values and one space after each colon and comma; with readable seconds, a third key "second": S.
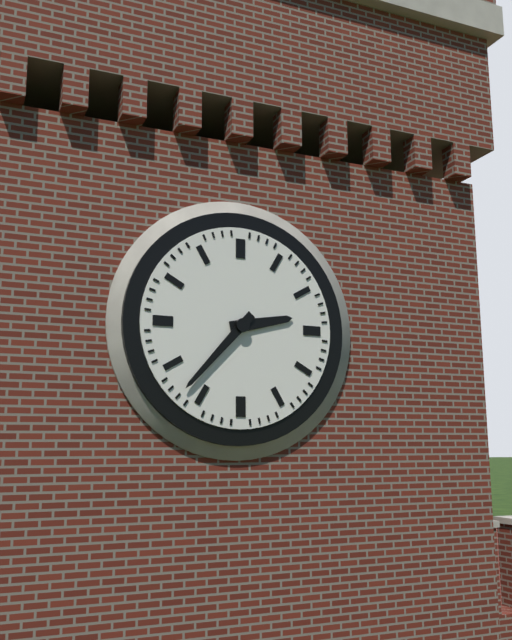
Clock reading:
{"hour": 2, "minute": 37}
